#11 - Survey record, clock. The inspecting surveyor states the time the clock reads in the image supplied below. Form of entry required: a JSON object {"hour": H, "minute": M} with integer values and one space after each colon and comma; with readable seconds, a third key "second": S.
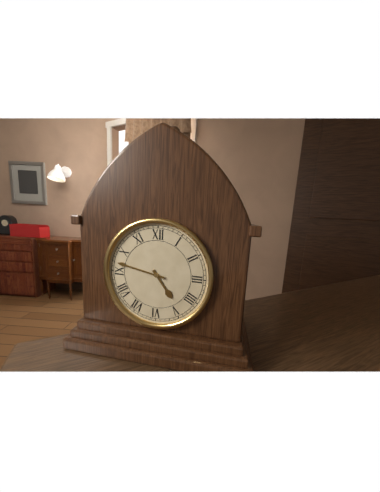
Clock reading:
{"hour": 4, "minute": 47}
